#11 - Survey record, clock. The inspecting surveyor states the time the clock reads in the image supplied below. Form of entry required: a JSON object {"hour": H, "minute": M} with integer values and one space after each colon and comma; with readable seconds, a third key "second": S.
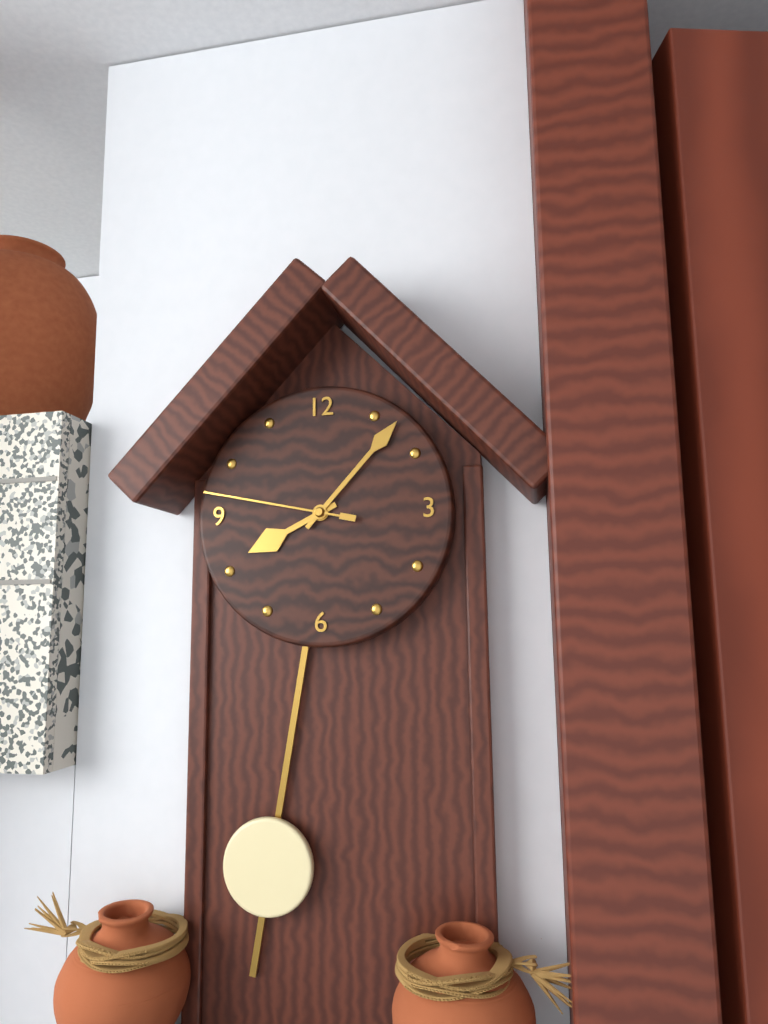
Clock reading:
{"hour": 8, "minute": 7, "second": 47}
